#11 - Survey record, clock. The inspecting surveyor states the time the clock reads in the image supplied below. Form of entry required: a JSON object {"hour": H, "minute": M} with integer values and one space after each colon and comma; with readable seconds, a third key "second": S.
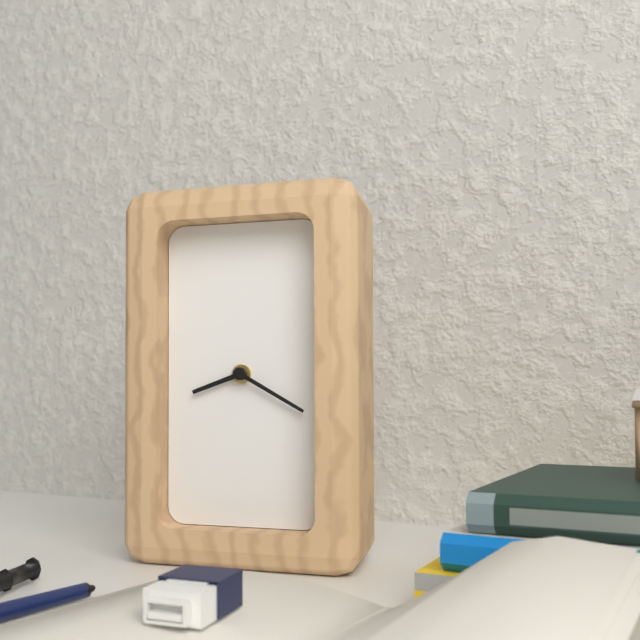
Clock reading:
{"hour": 8, "minute": 20}
